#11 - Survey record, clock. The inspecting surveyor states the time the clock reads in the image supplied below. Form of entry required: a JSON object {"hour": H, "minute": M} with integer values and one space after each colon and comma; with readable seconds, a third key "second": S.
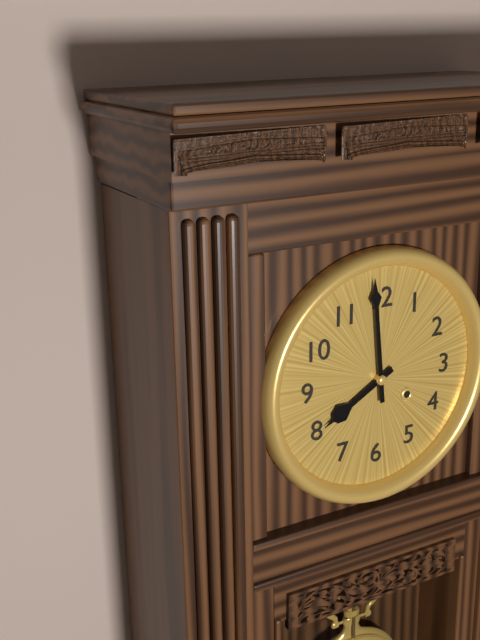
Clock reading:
{"hour": 7, "minute": 59}
